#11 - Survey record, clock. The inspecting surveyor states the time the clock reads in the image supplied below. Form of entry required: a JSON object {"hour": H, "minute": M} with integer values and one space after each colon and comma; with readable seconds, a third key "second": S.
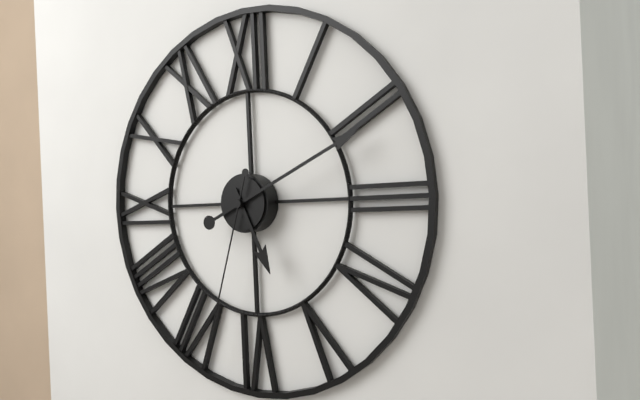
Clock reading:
{"hour": 5, "minute": 11, "second": 33}
